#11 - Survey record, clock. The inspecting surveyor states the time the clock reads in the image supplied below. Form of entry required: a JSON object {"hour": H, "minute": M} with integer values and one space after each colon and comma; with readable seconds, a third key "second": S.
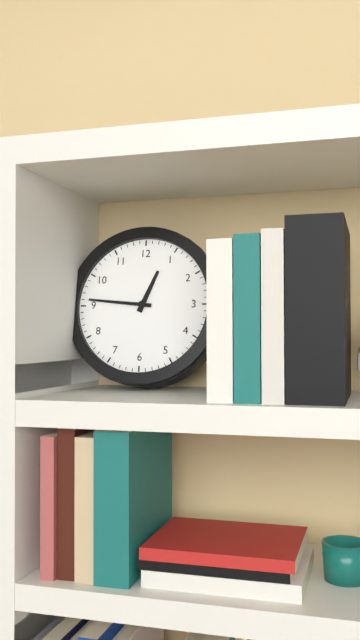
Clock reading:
{"hour": 12, "minute": 46}
